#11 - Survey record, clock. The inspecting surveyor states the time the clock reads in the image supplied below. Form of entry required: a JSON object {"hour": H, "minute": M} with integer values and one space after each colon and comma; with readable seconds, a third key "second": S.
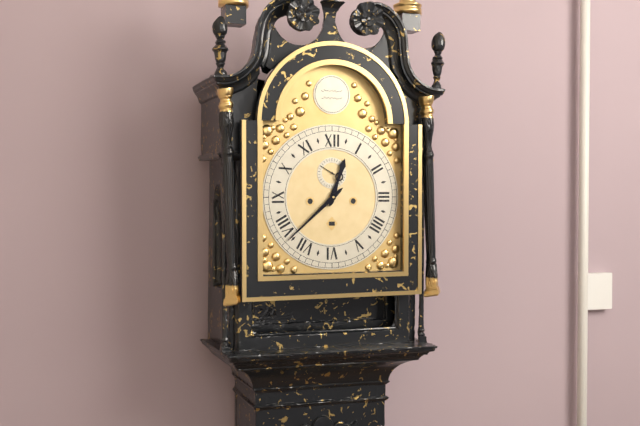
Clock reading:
{"hour": 12, "minute": 38}
